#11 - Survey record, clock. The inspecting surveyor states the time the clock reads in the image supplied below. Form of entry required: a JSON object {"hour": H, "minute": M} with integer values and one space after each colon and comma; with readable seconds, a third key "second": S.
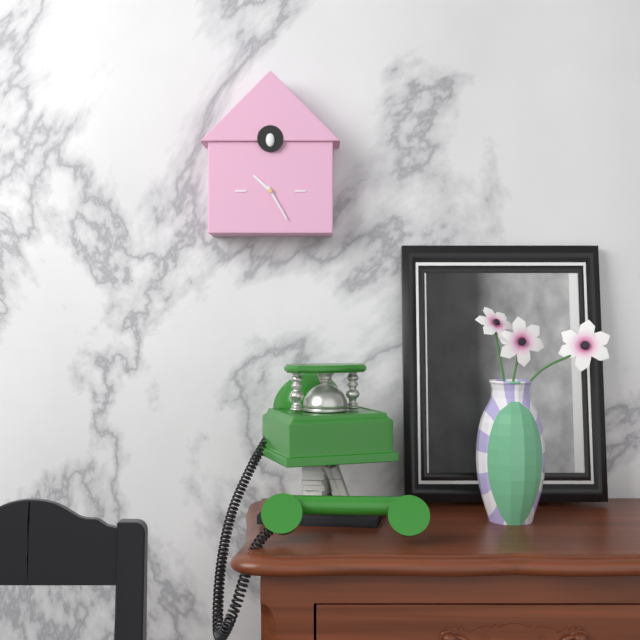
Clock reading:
{"hour": 10, "minute": 25}
